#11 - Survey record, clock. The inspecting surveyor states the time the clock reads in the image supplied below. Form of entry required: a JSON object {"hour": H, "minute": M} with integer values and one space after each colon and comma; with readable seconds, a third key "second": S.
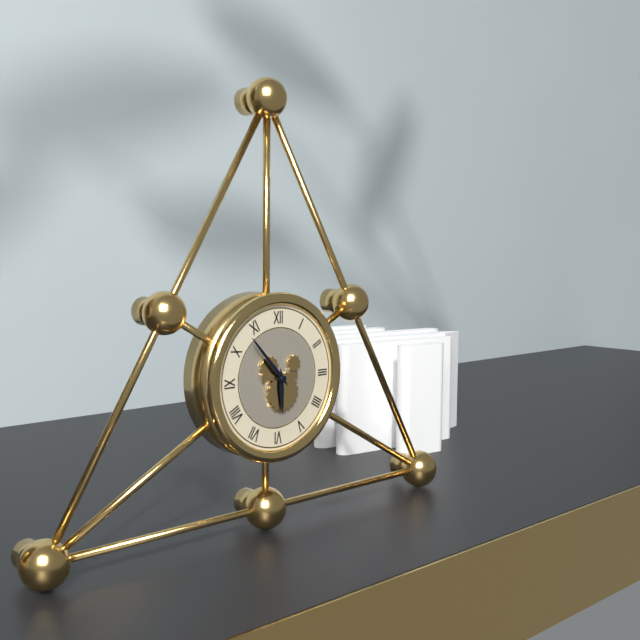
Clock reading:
{"hour": 5, "minute": 53}
